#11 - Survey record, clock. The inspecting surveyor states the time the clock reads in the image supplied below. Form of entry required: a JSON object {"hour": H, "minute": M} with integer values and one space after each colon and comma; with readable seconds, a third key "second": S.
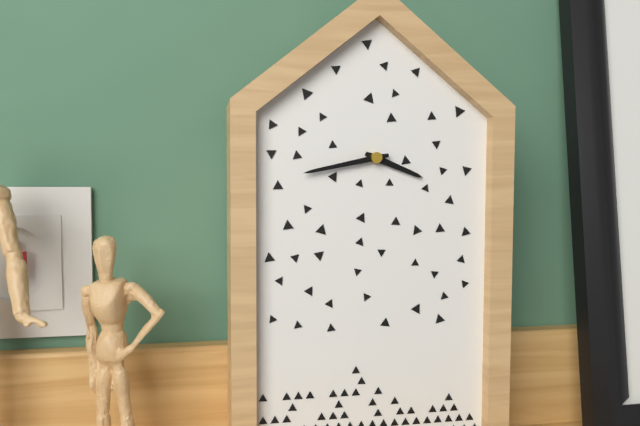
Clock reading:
{"hour": 3, "minute": 43}
